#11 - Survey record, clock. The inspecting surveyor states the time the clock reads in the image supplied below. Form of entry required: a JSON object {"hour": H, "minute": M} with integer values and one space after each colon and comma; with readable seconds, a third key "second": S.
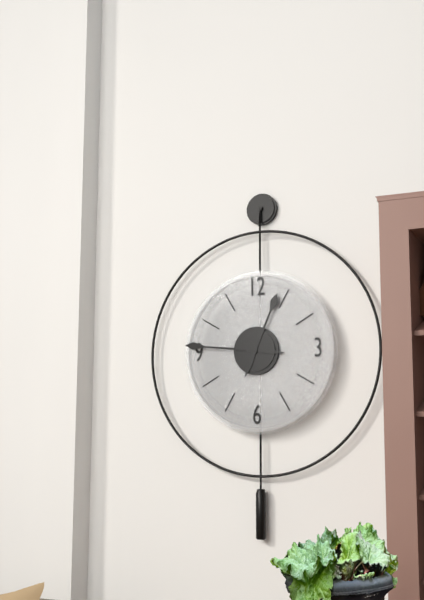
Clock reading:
{"hour": 12, "minute": 46}
